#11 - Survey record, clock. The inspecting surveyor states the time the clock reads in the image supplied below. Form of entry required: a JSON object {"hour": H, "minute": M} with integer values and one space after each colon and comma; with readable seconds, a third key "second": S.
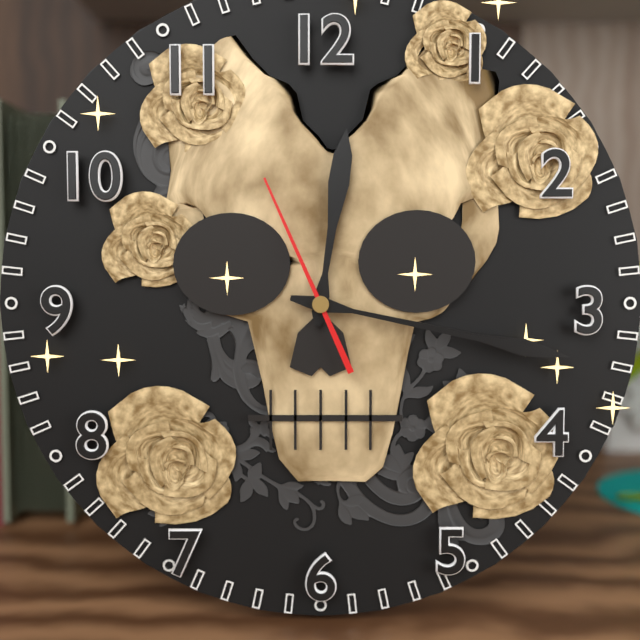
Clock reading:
{"hour": 12, "minute": 17, "second": 56}
